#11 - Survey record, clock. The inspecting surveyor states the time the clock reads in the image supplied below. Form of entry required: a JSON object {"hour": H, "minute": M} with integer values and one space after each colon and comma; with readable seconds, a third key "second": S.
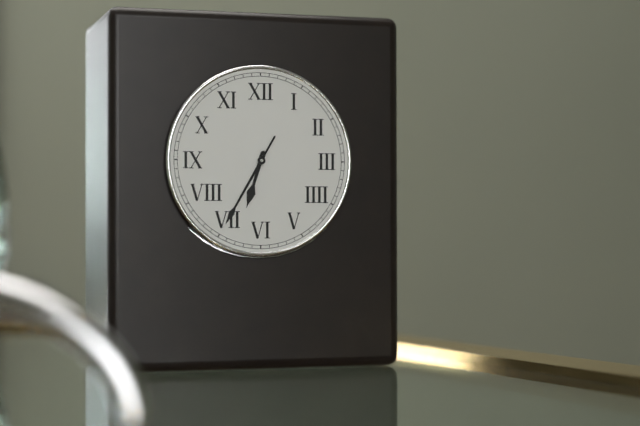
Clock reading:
{"hour": 6, "minute": 35}
